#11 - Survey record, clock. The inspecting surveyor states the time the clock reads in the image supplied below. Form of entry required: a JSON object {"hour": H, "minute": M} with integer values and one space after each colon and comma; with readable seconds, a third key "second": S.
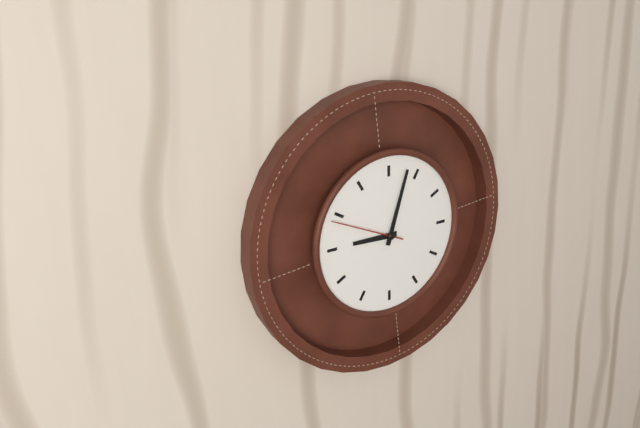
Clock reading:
{"hour": 9, "minute": 3, "second": 49}
